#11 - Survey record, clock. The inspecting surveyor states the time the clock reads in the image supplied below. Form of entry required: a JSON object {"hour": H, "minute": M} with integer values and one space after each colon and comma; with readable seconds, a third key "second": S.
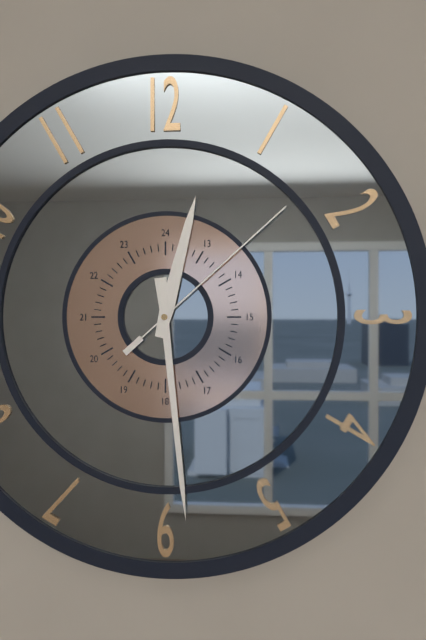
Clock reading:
{"hour": 12, "minute": 29, "second": 8}
